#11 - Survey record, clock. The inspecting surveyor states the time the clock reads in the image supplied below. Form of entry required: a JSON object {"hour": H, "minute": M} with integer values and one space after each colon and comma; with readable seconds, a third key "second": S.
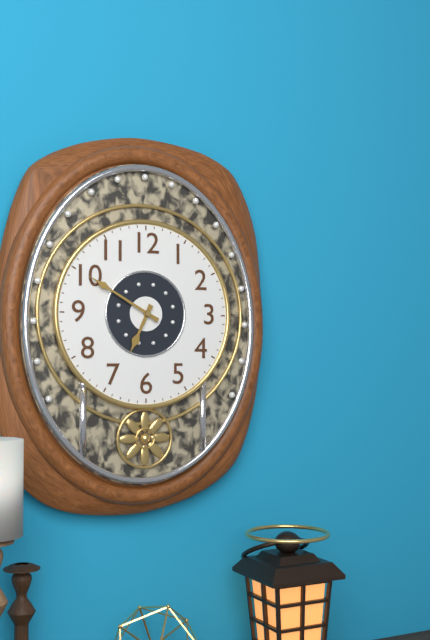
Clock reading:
{"hour": 6, "minute": 50}
